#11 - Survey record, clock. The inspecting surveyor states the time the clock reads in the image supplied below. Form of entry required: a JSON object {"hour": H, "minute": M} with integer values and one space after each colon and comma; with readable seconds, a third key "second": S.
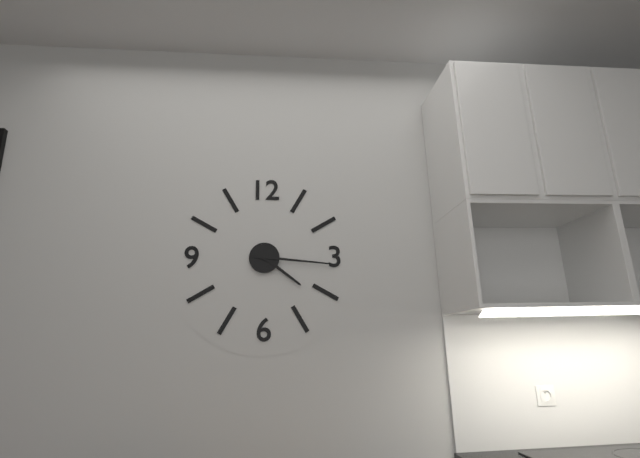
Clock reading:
{"hour": 4, "minute": 16}
